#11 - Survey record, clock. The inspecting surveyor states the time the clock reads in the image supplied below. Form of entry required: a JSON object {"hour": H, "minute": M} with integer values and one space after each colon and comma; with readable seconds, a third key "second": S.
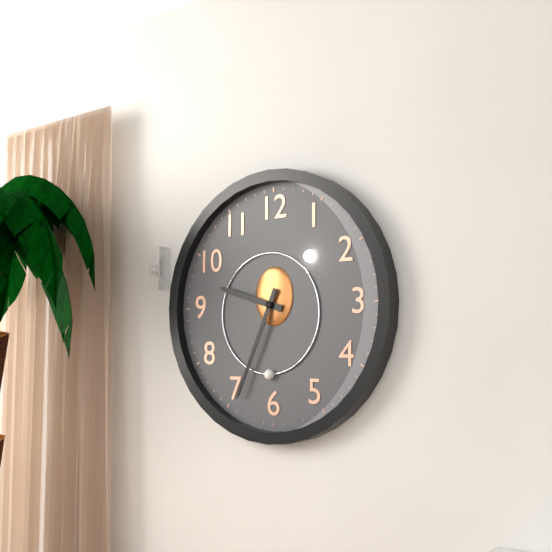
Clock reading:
{"hour": 9, "minute": 34}
